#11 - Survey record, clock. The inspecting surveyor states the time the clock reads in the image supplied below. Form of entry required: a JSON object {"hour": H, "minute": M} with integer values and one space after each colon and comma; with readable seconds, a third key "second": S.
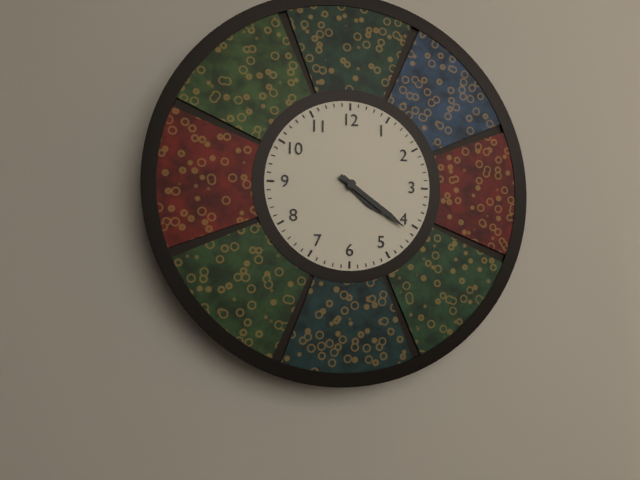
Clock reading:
{"hour": 4, "minute": 21}
